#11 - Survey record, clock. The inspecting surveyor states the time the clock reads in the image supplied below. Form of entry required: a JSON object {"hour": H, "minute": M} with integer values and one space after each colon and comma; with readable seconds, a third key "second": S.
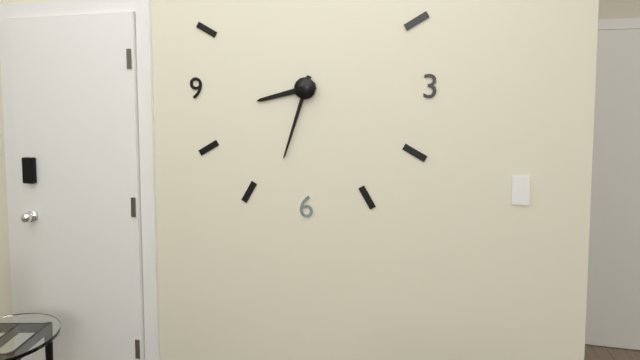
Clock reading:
{"hour": 8, "minute": 33}
